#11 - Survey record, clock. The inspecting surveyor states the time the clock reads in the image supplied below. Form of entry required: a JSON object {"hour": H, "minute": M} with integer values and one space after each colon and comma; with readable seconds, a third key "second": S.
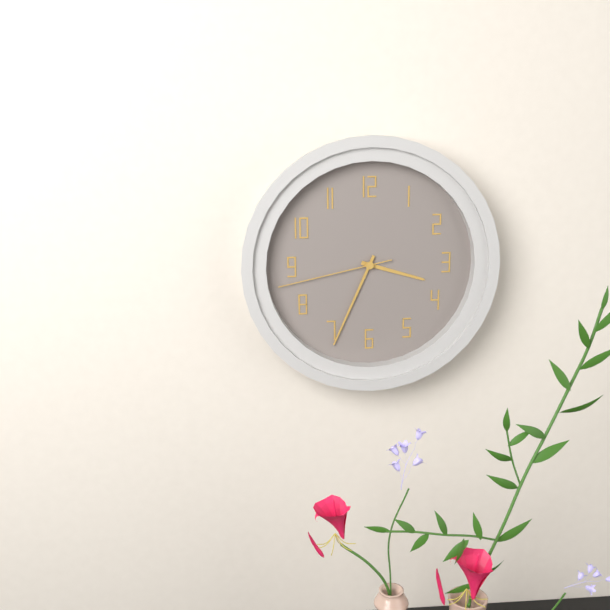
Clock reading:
{"hour": 3, "minute": 34, "second": 43}
